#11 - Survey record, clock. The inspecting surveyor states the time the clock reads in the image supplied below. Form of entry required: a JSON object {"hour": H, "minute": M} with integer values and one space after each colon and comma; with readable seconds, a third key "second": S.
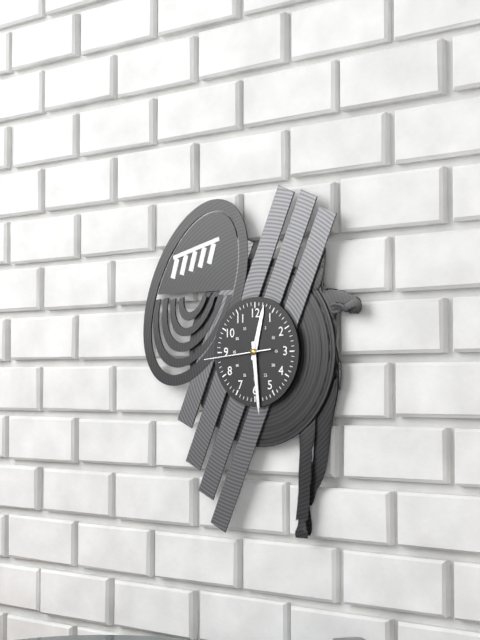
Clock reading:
{"hour": 12, "minute": 29, "second": 44}
